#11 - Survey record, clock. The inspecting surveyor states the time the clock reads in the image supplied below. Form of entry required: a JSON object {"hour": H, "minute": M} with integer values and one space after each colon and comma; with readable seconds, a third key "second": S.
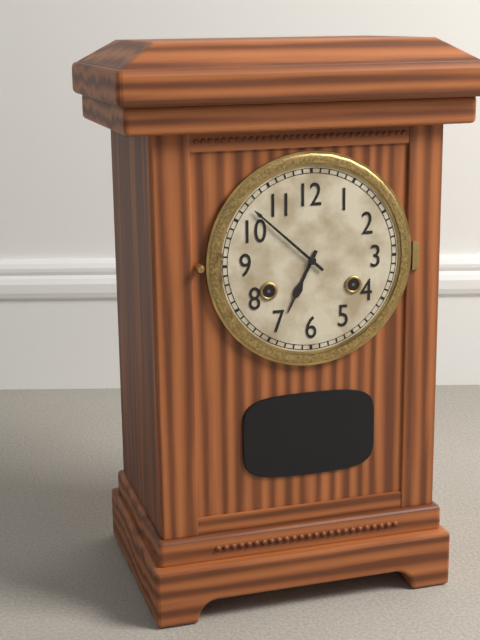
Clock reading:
{"hour": 6, "minute": 52}
